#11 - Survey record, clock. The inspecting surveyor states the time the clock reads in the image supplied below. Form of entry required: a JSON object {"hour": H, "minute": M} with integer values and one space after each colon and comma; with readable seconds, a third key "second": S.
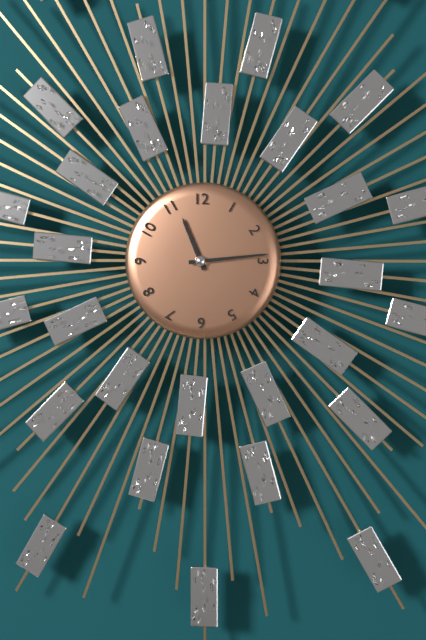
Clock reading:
{"hour": 11, "minute": 14}
